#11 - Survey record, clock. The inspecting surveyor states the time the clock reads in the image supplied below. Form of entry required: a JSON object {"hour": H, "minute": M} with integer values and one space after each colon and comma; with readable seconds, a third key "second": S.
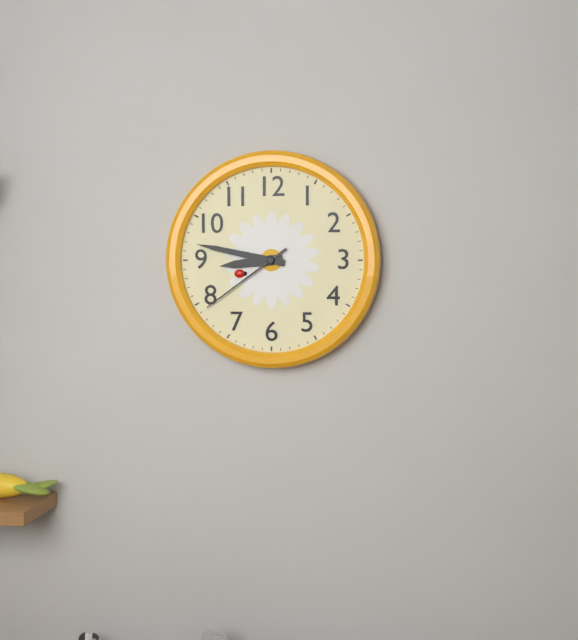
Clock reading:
{"hour": 8, "minute": 47, "second": 39}
